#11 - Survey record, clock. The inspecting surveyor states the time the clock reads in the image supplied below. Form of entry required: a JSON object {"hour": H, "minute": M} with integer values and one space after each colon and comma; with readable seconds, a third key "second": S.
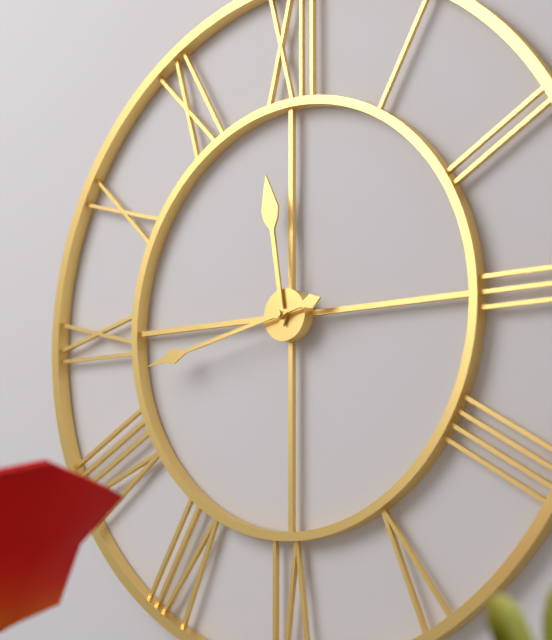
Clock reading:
{"hour": 11, "minute": 43}
